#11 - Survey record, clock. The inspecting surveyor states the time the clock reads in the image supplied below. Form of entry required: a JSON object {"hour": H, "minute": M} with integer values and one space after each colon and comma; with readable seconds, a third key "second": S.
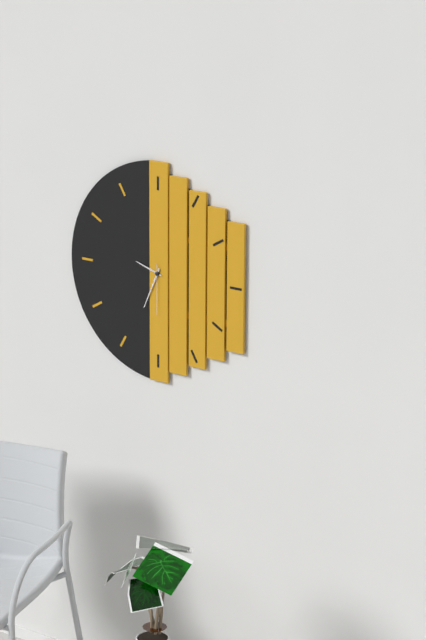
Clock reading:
{"hour": 9, "minute": 34, "second": 30}
